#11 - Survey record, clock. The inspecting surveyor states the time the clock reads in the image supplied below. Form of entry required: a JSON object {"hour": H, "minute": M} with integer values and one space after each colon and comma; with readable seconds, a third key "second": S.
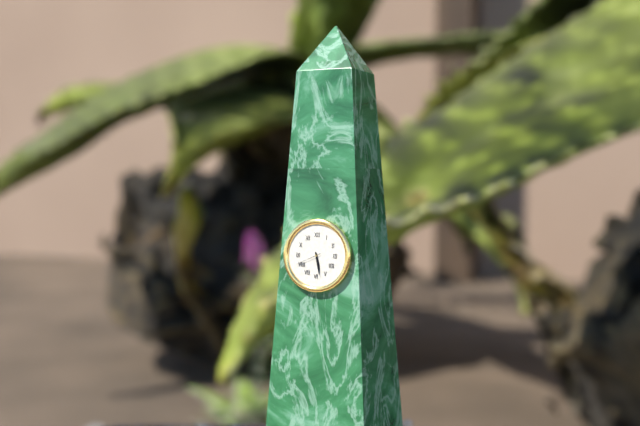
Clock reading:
{"hour": 5, "minute": 28}
